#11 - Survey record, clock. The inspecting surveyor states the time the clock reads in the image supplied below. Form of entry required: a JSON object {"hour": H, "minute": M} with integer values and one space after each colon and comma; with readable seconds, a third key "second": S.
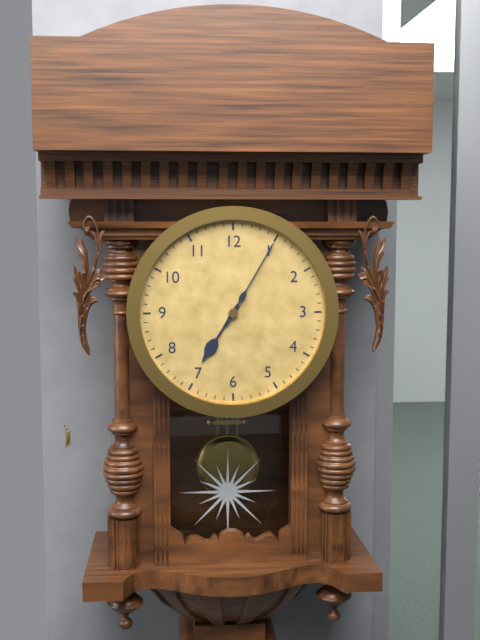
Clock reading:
{"hour": 7, "minute": 5}
